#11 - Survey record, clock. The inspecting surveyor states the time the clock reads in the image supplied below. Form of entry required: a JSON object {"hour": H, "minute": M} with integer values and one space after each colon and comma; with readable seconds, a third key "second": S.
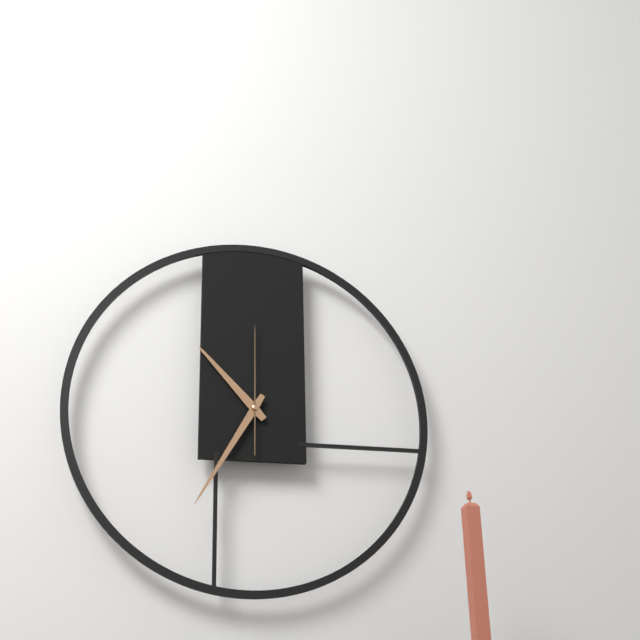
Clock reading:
{"hour": 10, "minute": 35, "second": 0}
